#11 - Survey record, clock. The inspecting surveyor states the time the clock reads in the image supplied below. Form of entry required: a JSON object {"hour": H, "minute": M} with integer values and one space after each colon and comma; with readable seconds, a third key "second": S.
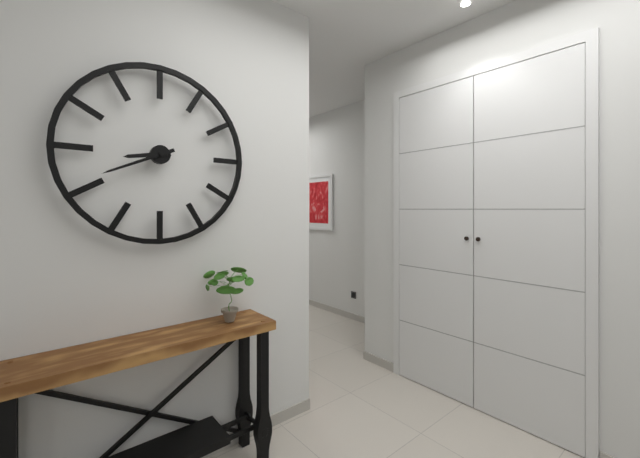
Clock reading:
{"hour": 8, "minute": 41}
